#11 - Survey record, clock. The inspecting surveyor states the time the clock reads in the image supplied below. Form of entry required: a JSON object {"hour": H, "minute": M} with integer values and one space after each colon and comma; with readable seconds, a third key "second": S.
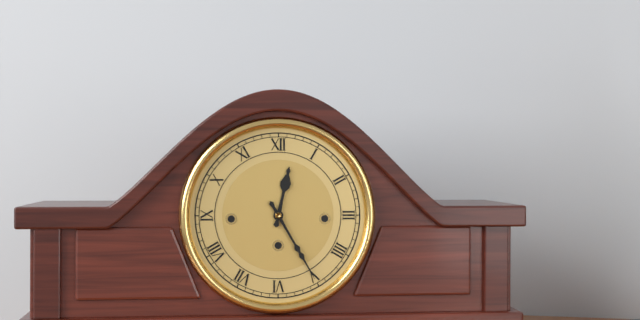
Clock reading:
{"hour": 12, "minute": 25}
